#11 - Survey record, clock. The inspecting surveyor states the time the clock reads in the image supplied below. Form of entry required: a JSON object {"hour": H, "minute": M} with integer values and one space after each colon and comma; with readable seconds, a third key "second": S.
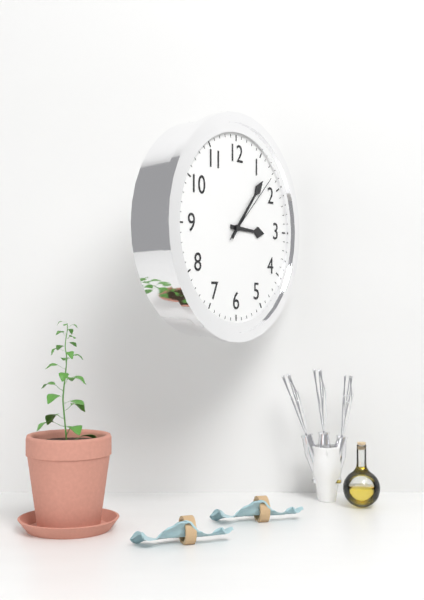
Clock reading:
{"hour": 3, "minute": 7, "second": 8}
